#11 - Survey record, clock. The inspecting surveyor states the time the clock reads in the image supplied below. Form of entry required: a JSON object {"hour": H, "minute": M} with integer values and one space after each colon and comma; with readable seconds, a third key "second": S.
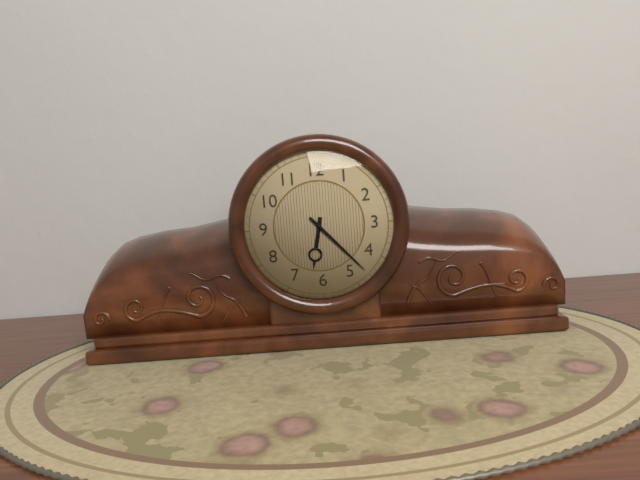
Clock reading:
{"hour": 6, "minute": 23}
